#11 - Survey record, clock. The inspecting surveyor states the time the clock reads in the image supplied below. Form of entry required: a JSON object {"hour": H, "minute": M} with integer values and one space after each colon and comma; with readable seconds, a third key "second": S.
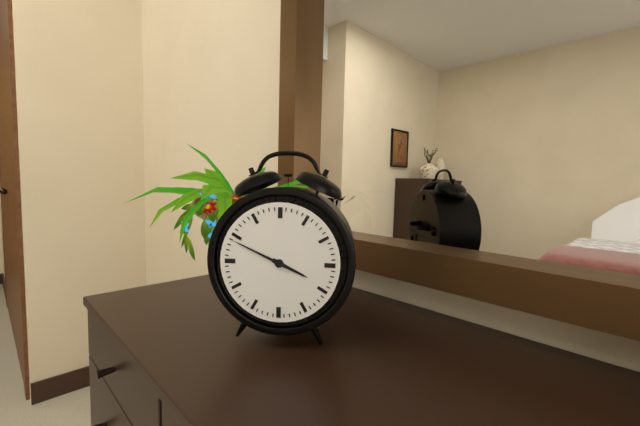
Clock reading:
{"hour": 3, "minute": 49}
